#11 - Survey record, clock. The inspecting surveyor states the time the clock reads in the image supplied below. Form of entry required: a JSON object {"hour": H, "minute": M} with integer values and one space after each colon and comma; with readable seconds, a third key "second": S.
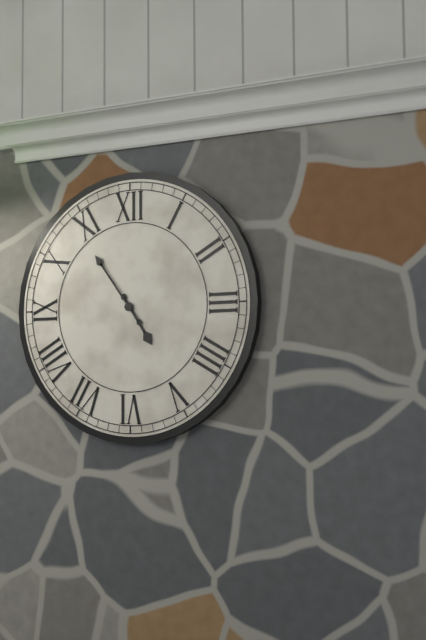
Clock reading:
{"hour": 4, "minute": 54}
